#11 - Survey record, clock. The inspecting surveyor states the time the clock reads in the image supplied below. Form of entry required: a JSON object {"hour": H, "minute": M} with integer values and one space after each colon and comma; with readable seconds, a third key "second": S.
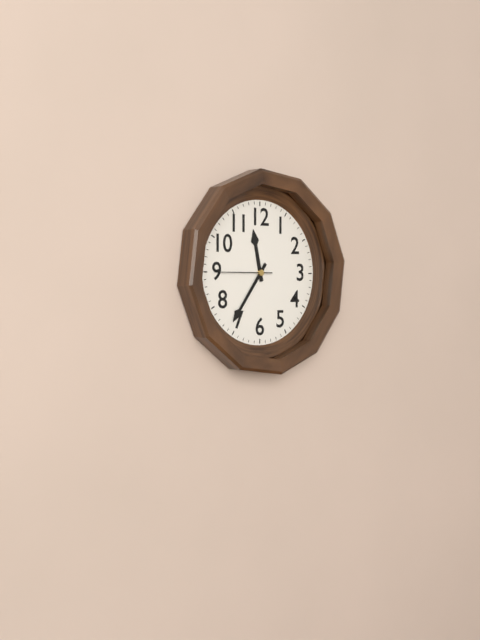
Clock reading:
{"hour": 11, "minute": 36, "second": 45}
